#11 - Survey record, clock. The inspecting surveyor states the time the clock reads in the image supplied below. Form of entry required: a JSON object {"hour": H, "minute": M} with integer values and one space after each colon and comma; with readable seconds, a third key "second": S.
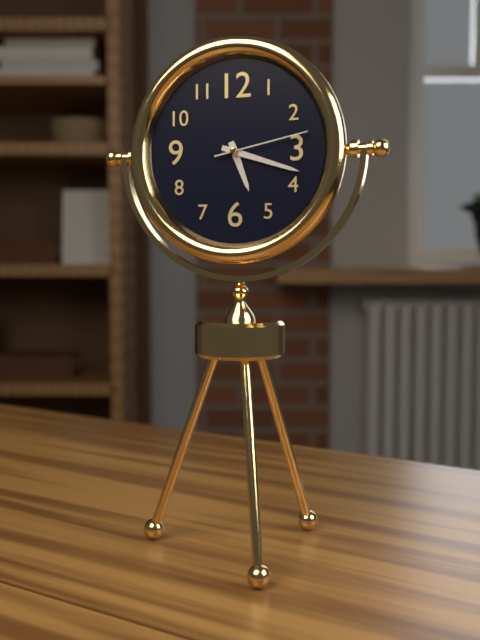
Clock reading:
{"hour": 5, "minute": 18, "second": 13}
